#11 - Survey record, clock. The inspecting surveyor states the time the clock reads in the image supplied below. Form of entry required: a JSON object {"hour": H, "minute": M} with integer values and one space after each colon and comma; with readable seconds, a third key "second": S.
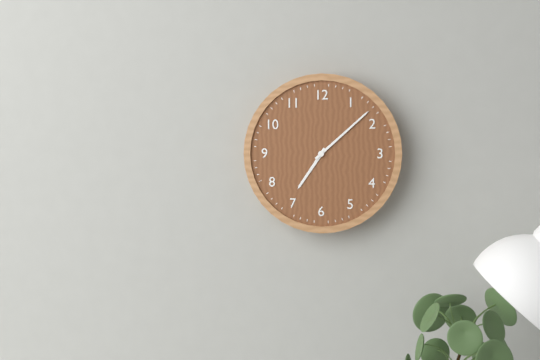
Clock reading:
{"hour": 7, "minute": 8}
